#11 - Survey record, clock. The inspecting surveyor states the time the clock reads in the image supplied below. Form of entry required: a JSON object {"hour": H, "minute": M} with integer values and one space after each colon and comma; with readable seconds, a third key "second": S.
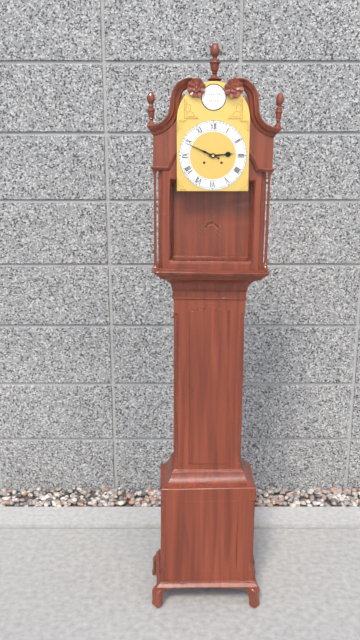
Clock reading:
{"hour": 2, "minute": 49}
